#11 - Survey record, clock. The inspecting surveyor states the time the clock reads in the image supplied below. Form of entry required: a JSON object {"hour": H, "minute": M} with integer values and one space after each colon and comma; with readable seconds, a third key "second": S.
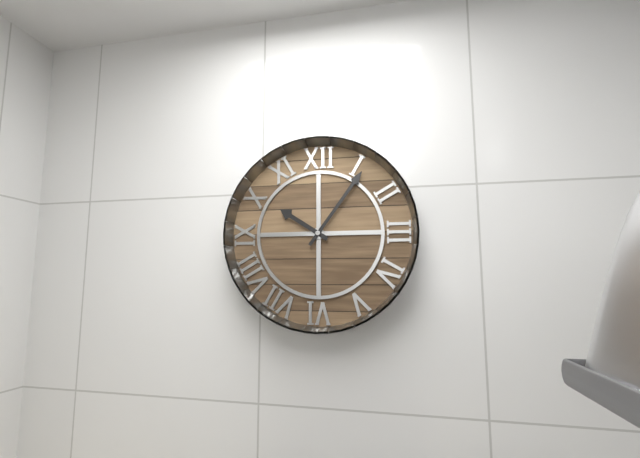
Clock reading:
{"hour": 10, "minute": 6}
